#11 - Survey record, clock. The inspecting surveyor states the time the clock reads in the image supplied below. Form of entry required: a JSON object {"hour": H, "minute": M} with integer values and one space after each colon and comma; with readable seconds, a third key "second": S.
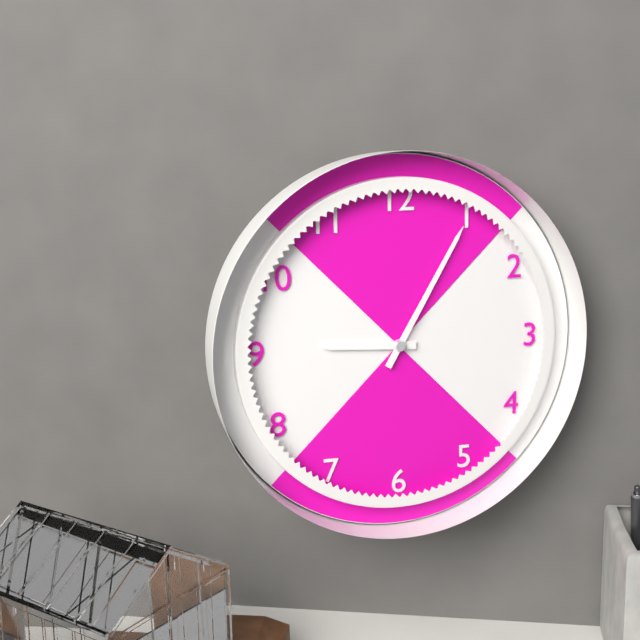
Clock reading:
{"hour": 9, "minute": 5}
